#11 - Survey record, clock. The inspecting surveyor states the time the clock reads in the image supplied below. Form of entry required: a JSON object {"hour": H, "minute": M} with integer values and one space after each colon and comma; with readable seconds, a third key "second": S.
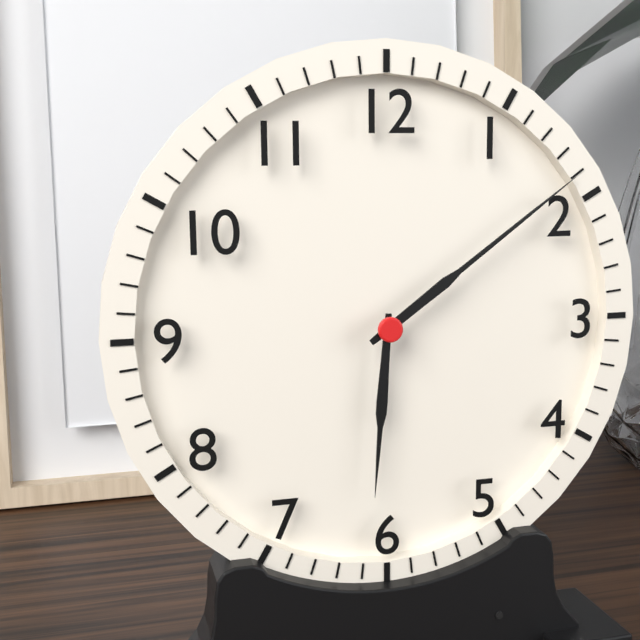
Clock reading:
{"hour": 6, "minute": 9}
